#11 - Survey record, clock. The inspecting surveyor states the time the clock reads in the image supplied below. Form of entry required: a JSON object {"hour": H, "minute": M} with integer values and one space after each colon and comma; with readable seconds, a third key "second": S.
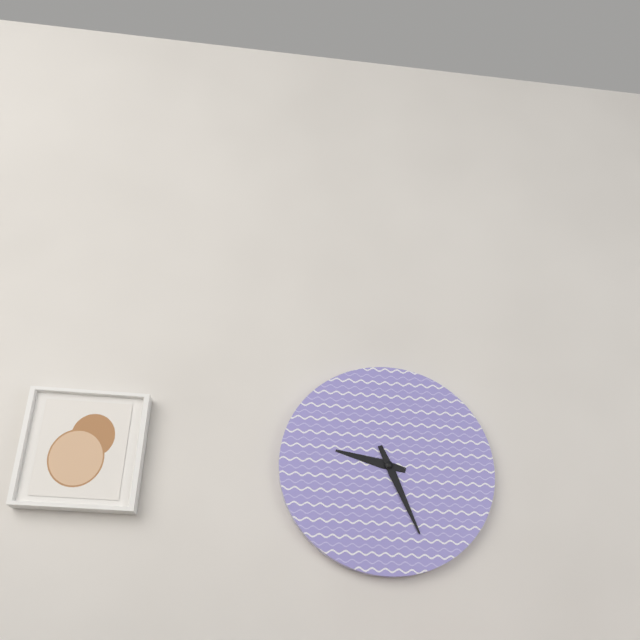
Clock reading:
{"hour": 9, "minute": 26}
